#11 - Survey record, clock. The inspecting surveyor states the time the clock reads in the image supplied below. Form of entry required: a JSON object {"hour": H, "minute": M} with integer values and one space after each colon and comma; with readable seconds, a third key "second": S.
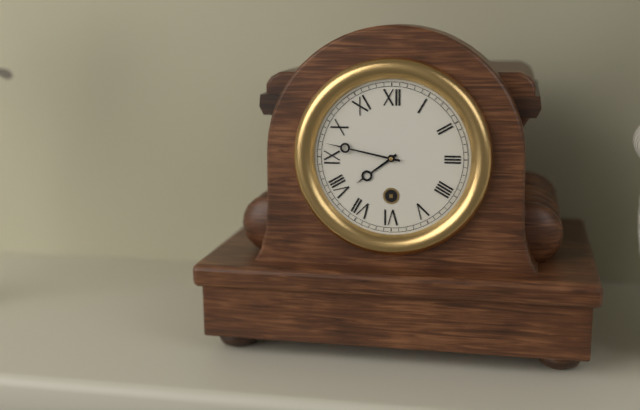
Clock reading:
{"hour": 7, "minute": 47}
